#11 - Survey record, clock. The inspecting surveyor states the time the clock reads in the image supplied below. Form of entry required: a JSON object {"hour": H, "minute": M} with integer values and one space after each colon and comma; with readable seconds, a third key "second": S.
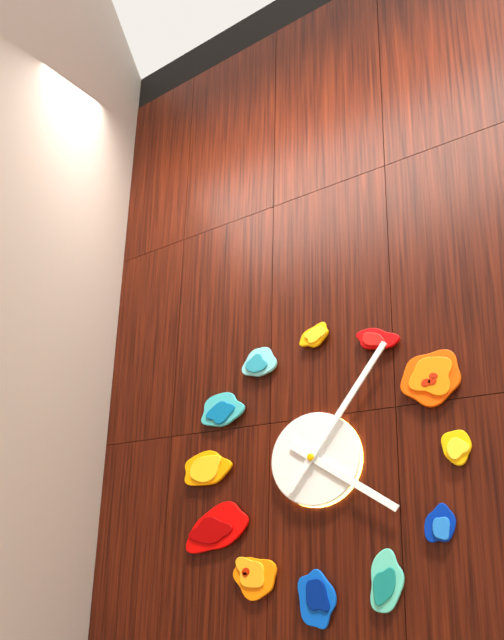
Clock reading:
{"hour": 4, "minute": 6}
